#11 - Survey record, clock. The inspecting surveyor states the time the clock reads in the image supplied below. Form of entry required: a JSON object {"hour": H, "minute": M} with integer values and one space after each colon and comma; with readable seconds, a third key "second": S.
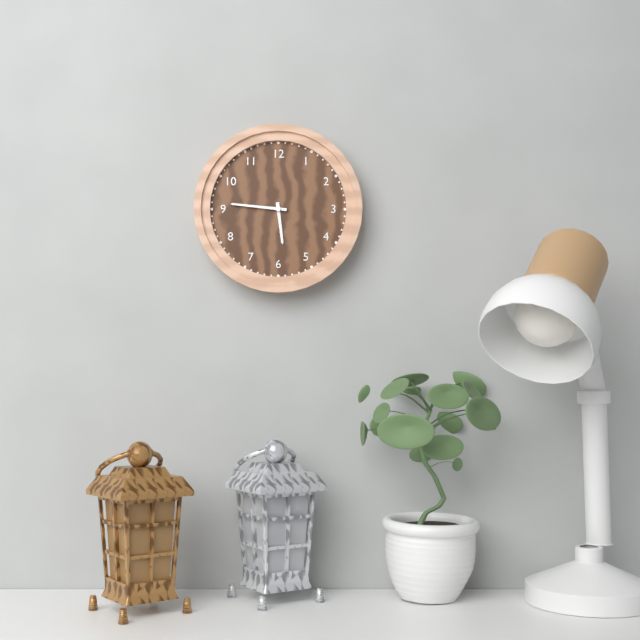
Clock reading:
{"hour": 5, "minute": 46}
